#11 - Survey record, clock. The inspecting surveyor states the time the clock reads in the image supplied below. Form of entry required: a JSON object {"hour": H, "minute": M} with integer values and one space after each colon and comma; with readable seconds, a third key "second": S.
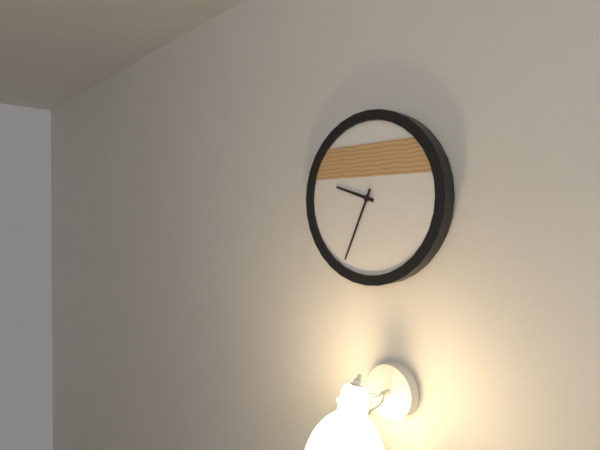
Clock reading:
{"hour": 9, "minute": 34}
